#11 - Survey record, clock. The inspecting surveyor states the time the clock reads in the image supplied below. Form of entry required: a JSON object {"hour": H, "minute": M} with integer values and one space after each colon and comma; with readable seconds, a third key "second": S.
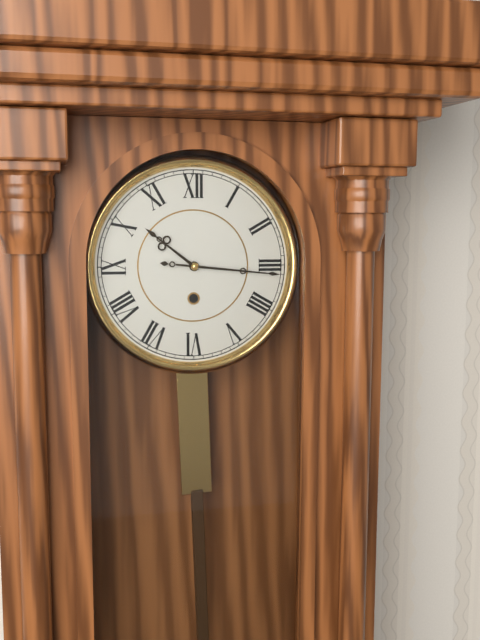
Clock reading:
{"hour": 10, "minute": 16}
